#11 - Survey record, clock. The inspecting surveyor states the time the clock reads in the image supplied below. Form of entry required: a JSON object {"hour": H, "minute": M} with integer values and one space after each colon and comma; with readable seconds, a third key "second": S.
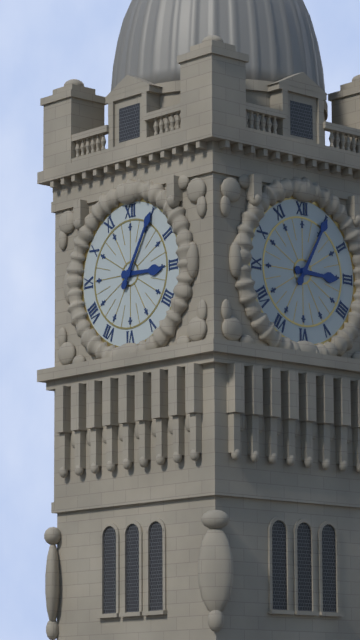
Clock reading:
{"hour": 3, "minute": 5}
